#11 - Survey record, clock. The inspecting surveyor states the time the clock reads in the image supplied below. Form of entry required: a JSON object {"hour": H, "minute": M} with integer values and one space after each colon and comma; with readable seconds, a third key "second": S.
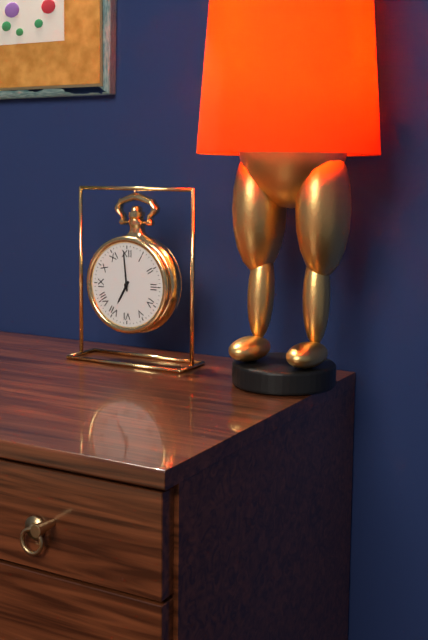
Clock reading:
{"hour": 6, "minute": 59}
